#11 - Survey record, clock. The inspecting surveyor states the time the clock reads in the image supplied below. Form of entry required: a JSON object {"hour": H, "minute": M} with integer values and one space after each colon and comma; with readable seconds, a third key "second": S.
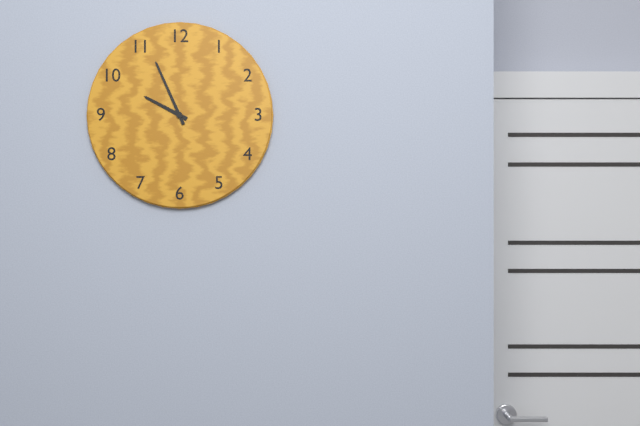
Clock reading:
{"hour": 9, "minute": 56}
